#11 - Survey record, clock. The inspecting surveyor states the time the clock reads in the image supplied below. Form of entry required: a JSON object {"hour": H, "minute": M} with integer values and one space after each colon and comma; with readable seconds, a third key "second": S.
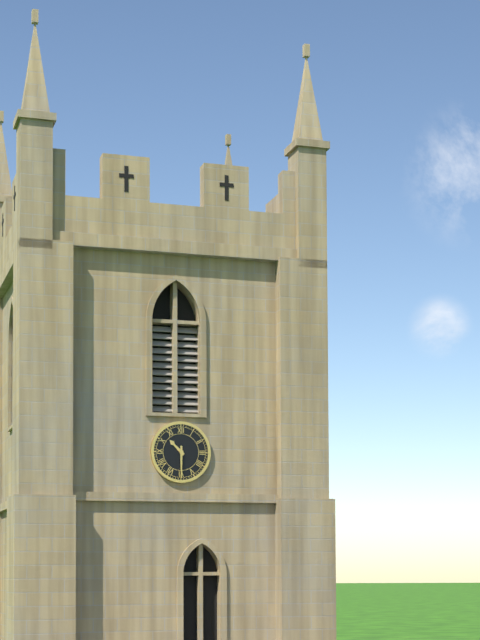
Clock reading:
{"hour": 10, "minute": 30}
